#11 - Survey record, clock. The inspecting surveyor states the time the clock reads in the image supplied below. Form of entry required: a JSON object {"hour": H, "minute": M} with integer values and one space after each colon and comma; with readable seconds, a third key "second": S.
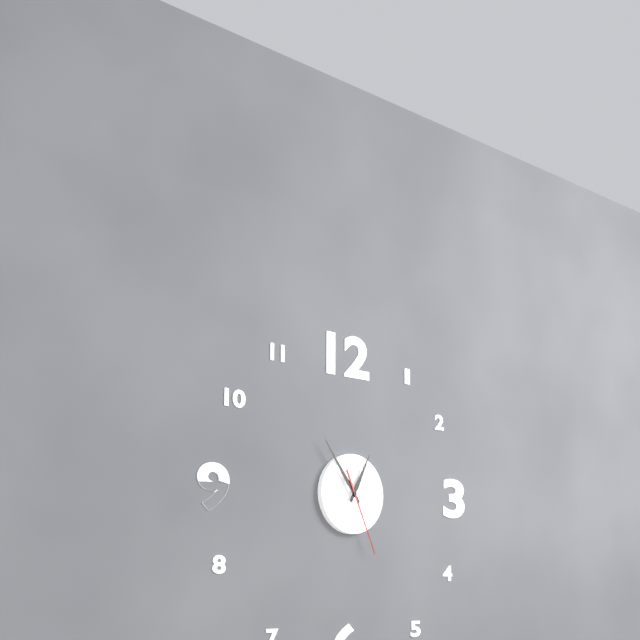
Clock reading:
{"hour": 12, "minute": 54, "second": 26}
